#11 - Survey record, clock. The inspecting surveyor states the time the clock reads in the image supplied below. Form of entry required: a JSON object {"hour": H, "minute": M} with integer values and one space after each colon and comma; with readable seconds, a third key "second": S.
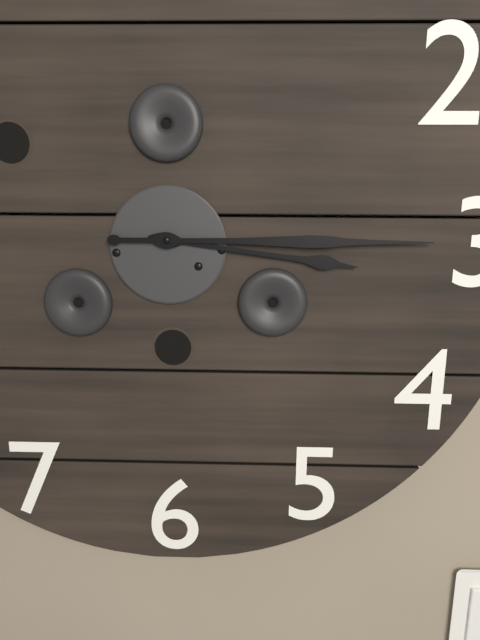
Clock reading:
{"hour": 3, "minute": 15}
